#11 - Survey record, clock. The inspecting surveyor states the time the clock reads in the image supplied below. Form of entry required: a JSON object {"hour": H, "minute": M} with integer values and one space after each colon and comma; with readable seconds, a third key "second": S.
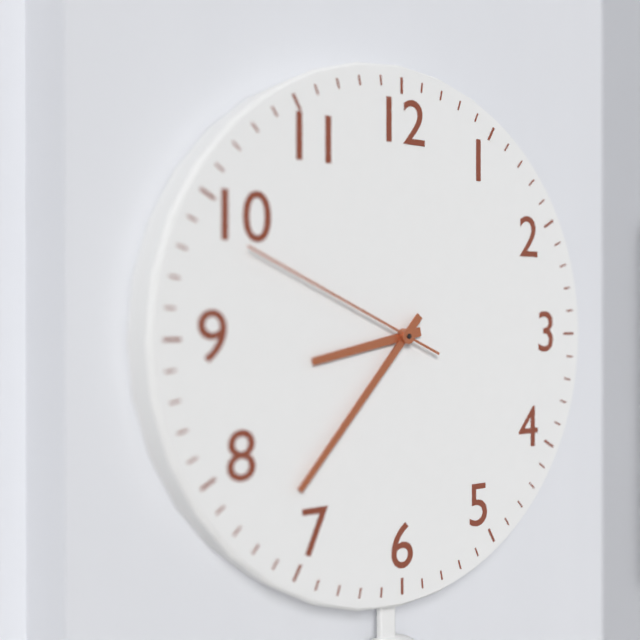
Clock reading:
{"hour": 8, "minute": 37, "second": 49}
